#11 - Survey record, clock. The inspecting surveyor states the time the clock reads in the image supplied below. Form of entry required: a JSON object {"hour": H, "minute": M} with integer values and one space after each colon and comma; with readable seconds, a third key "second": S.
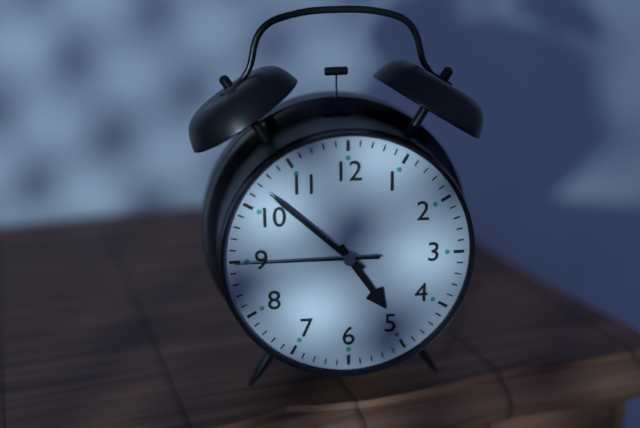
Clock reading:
{"hour": 4, "minute": 52, "second": 45}
